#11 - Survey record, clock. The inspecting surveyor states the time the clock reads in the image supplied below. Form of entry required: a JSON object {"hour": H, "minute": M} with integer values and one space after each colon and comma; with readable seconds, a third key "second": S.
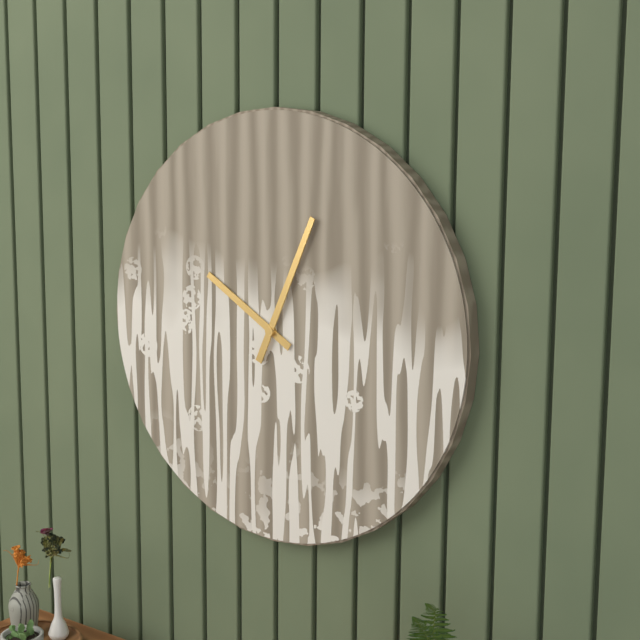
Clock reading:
{"hour": 10, "minute": 4}
